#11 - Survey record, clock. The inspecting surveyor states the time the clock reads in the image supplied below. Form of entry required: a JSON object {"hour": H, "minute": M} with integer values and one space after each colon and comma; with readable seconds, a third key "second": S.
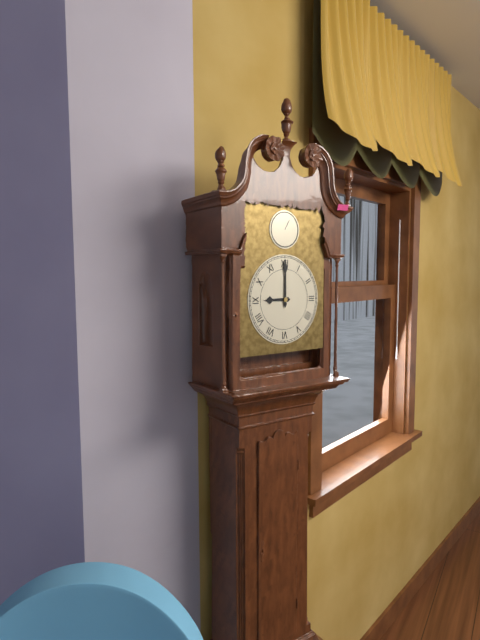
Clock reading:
{"hour": 9, "minute": 0}
